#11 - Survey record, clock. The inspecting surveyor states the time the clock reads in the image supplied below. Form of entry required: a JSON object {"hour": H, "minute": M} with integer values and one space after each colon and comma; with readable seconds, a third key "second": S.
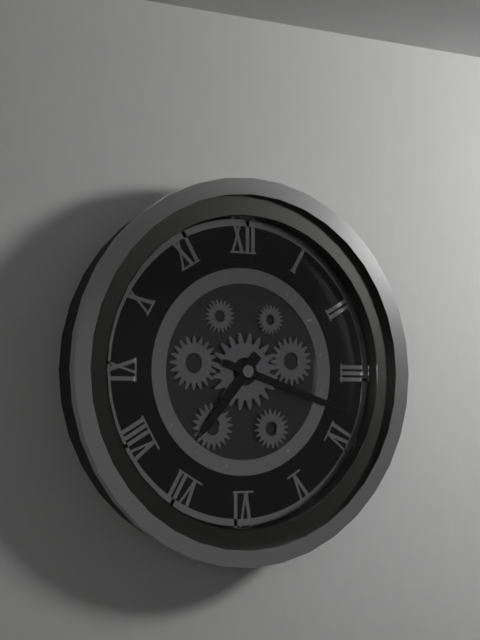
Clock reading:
{"hour": 7, "minute": 18}
